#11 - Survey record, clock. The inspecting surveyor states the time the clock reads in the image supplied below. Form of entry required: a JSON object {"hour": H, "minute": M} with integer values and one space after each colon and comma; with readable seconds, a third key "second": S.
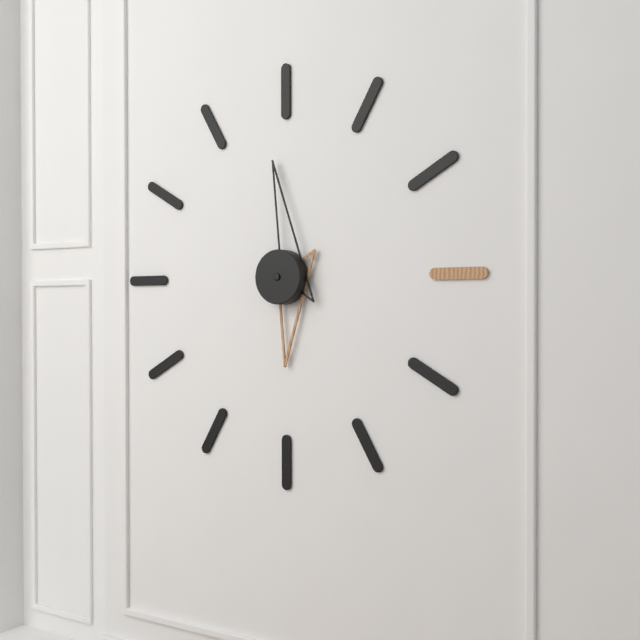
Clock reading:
{"hour": 5, "minute": 59}
